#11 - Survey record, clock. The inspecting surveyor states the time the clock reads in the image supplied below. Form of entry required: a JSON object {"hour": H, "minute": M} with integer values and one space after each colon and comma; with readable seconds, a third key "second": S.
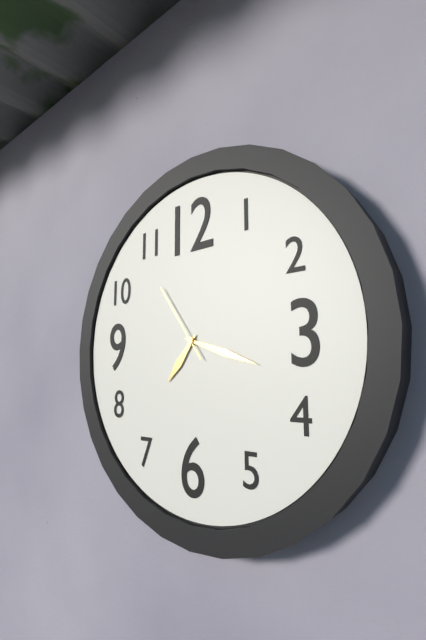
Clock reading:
{"hour": 7, "minute": 18, "second": 54}
